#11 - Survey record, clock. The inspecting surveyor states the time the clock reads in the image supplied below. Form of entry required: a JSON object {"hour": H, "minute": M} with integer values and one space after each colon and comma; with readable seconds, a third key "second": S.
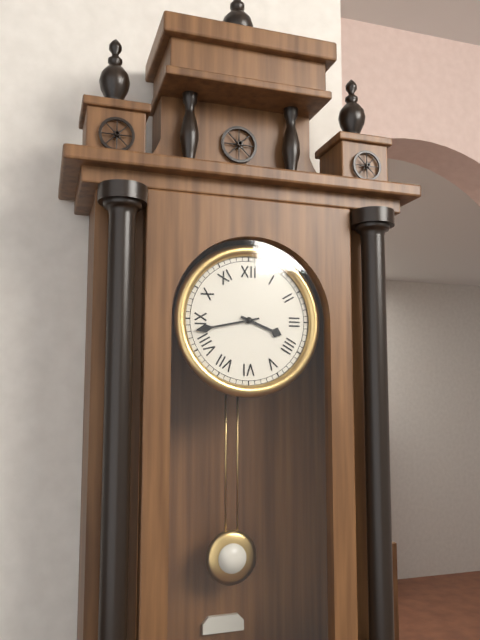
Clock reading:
{"hour": 3, "minute": 43}
